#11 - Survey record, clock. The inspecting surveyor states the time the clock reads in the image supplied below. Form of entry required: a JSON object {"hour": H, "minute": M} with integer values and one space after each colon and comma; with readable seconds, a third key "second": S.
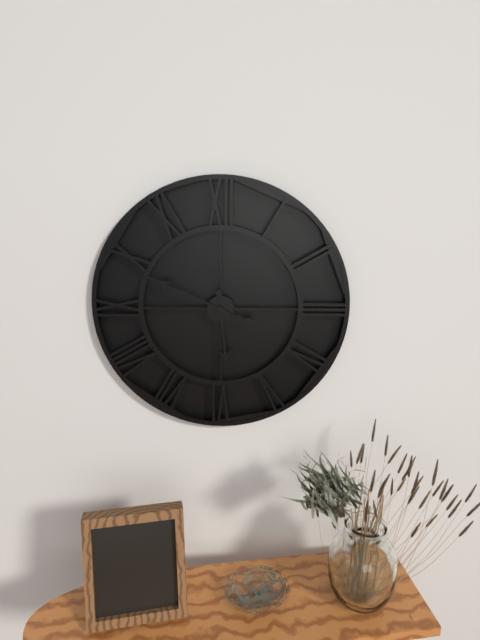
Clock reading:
{"hour": 5, "minute": 49}
